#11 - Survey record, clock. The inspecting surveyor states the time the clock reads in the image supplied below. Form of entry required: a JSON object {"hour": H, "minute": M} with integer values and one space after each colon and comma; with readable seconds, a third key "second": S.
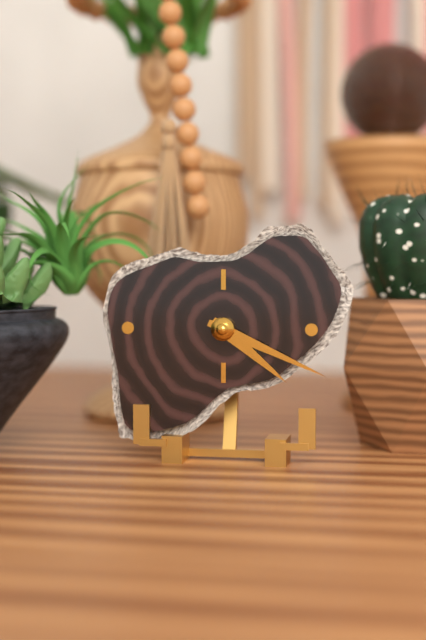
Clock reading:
{"hour": 4, "minute": 19}
